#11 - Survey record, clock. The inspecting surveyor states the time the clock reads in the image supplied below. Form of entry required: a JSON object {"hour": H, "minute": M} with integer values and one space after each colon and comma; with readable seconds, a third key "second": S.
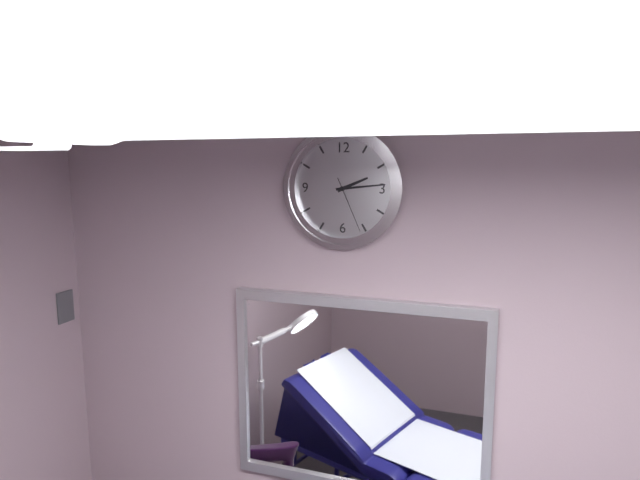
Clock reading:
{"hour": 2, "minute": 14, "second": 26}
